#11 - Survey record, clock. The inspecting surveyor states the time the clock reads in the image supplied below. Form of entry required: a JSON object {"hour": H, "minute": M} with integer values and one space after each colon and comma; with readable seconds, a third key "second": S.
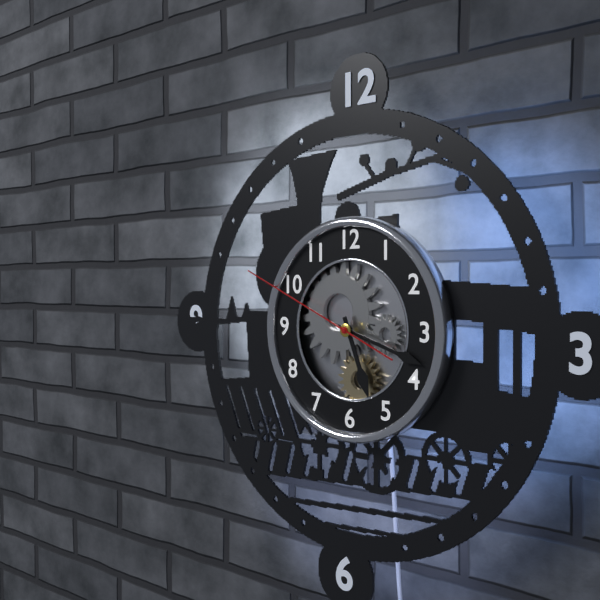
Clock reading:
{"hour": 5, "minute": 18, "second": 49}
